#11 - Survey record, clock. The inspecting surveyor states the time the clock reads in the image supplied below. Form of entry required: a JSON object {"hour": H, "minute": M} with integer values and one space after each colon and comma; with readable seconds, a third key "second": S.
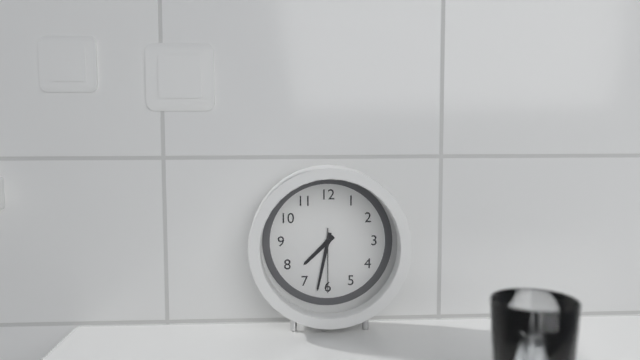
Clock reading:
{"hour": 7, "minute": 32, "second": 30}
